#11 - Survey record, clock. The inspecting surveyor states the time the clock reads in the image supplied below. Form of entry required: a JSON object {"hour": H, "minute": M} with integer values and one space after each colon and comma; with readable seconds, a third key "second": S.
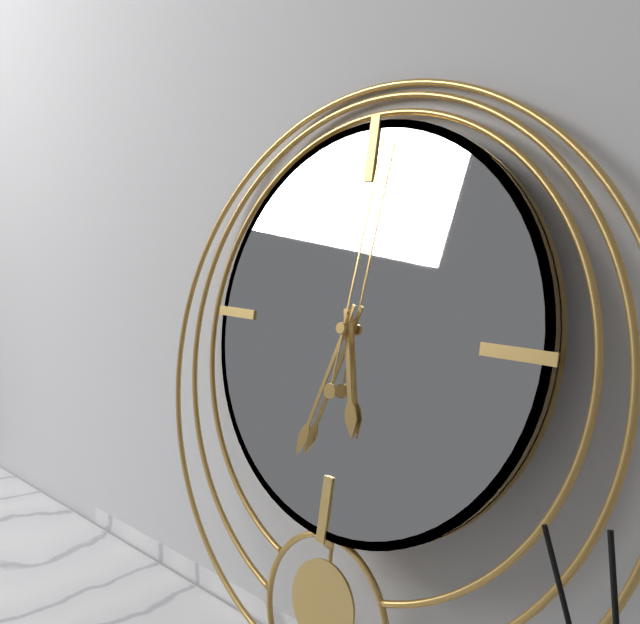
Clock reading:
{"hour": 5, "minute": 33, "second": 1}
